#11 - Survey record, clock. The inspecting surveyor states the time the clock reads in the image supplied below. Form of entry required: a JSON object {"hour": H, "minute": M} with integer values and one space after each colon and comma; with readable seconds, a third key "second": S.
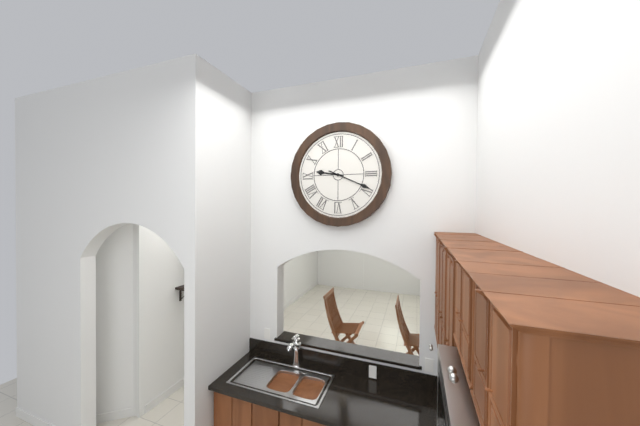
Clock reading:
{"hour": 9, "minute": 19}
